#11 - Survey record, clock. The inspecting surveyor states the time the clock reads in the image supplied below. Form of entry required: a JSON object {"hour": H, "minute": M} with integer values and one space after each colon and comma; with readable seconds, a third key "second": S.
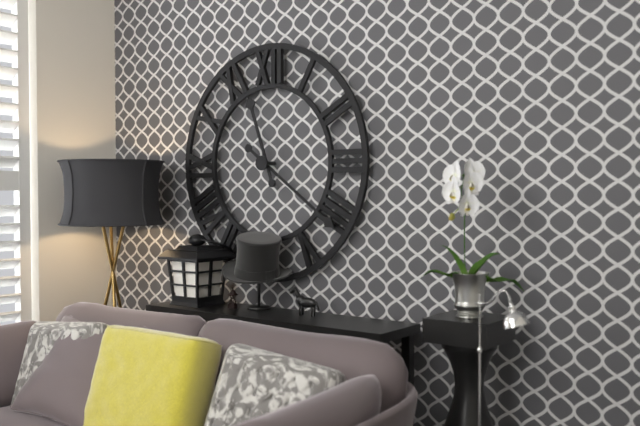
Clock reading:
{"hour": 11, "minute": 21}
